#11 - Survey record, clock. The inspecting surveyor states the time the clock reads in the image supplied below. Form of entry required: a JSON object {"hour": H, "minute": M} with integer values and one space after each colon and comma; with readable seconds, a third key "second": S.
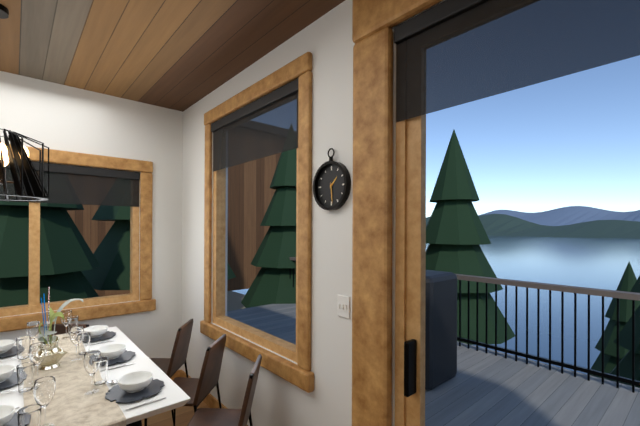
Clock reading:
{"hour": 1, "minute": 29}
